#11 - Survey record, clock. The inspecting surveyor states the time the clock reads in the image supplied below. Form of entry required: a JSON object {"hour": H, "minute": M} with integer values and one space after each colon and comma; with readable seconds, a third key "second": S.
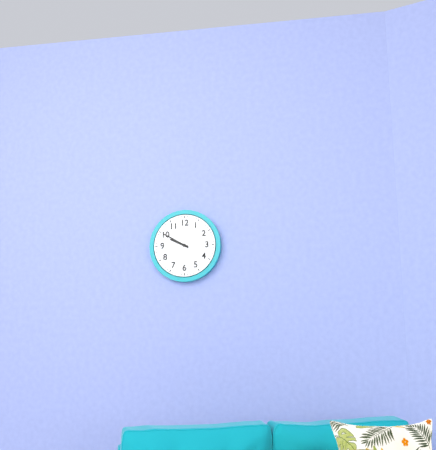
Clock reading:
{"hour": 9, "minute": 50}
